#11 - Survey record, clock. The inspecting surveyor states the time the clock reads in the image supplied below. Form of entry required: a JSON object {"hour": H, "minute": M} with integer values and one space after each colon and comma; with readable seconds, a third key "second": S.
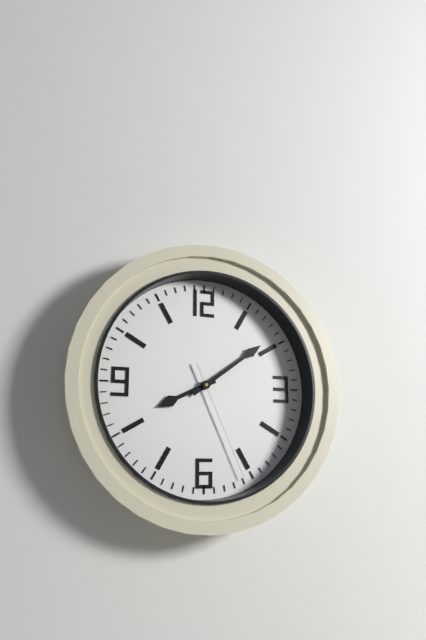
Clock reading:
{"hour": 8, "minute": 9, "second": 26}
